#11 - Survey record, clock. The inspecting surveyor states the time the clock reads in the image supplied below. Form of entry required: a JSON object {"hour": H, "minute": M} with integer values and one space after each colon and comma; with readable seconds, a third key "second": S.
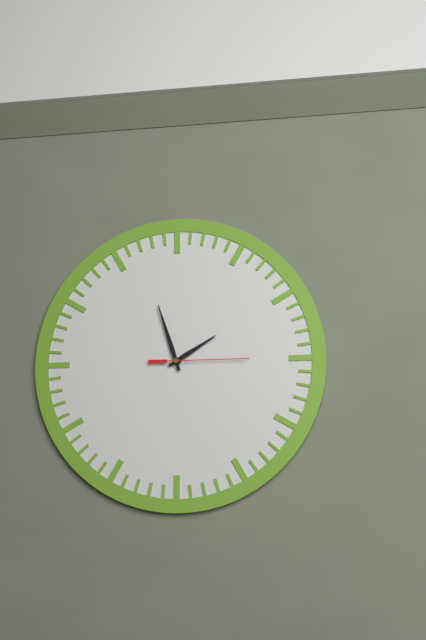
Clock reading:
{"hour": 1, "minute": 57, "second": 15}
